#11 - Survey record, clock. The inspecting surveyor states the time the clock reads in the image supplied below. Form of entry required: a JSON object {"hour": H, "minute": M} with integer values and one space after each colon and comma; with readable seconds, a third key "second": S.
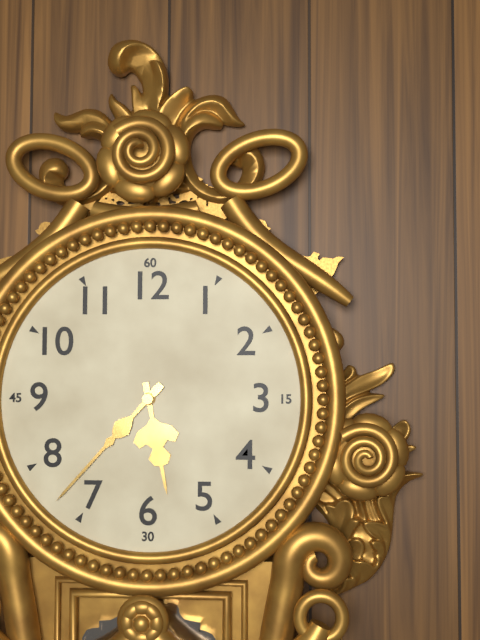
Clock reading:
{"hour": 5, "minute": 37}
